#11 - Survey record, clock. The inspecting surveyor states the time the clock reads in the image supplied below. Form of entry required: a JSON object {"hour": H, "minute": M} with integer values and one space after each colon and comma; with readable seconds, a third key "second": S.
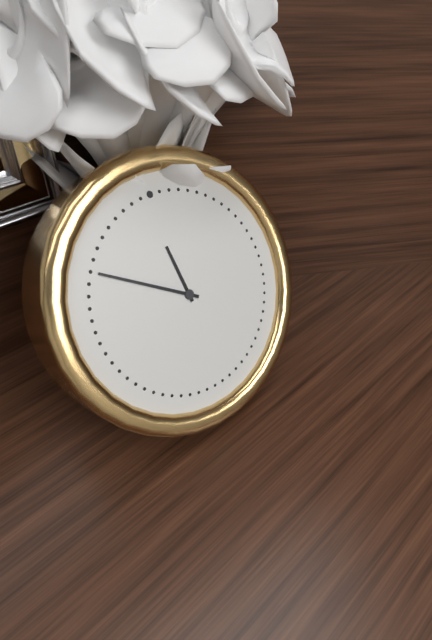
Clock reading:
{"hour": 11, "minute": 51}
